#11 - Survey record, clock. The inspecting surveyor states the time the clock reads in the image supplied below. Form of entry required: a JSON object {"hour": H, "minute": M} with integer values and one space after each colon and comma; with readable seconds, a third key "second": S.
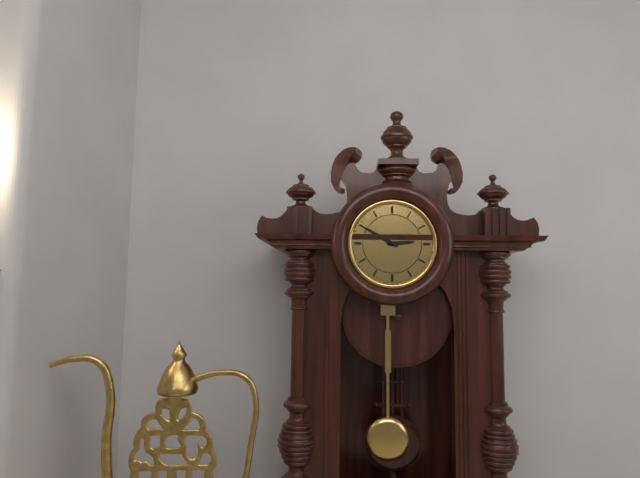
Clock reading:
{"hour": 2, "minute": 50}
